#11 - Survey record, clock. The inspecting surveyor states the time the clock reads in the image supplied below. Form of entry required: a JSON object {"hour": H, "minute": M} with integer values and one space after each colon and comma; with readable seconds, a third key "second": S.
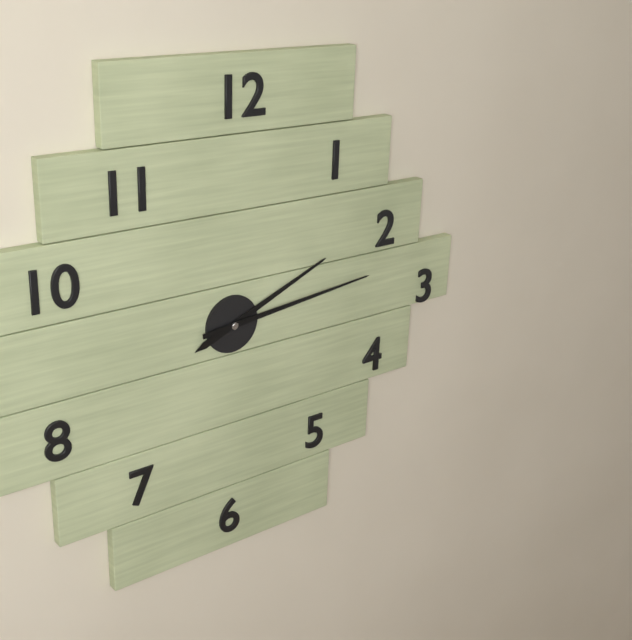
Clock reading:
{"hour": 2, "minute": 14}
